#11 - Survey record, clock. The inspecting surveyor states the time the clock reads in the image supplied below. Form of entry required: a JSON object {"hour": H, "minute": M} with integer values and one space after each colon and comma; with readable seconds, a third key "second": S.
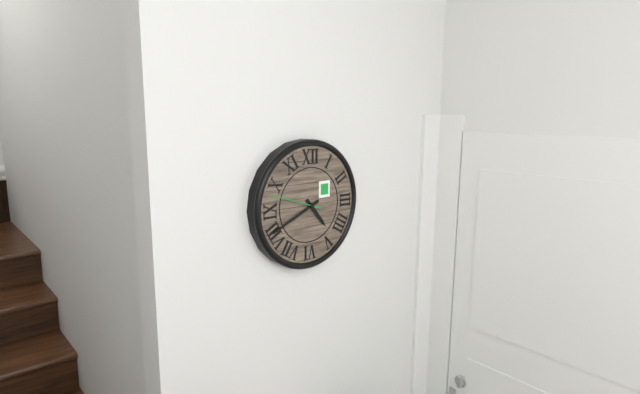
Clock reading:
{"hour": 4, "minute": 41}
